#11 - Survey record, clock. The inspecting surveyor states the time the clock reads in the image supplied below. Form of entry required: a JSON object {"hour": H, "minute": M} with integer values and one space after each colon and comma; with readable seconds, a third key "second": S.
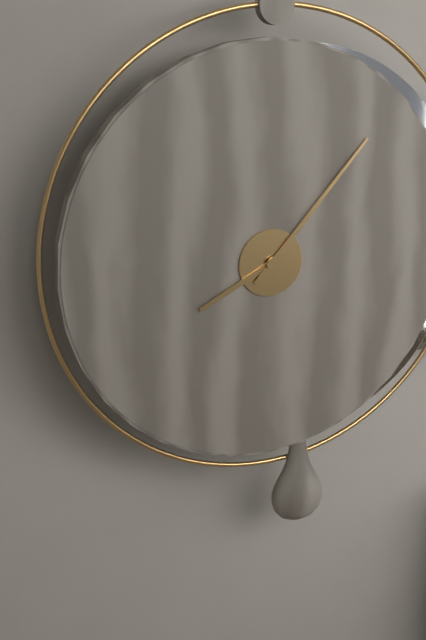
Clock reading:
{"hour": 8, "minute": 7}
